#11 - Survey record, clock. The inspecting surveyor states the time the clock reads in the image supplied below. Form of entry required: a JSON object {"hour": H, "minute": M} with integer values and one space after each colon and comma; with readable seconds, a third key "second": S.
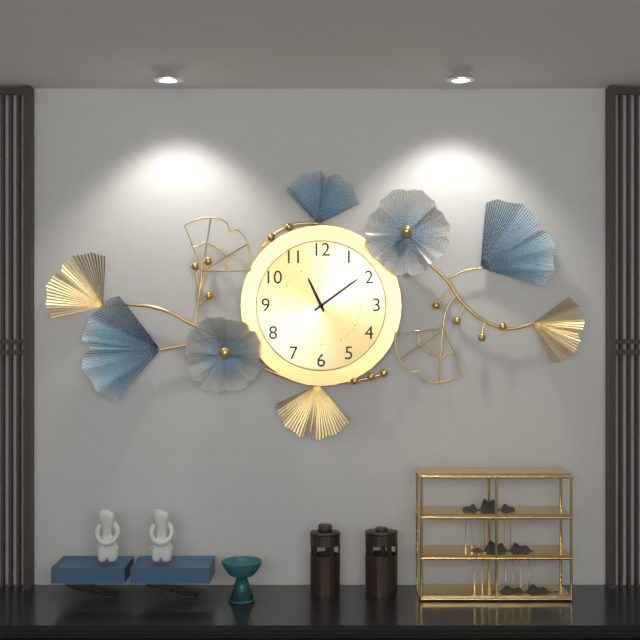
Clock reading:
{"hour": 11, "minute": 9}
